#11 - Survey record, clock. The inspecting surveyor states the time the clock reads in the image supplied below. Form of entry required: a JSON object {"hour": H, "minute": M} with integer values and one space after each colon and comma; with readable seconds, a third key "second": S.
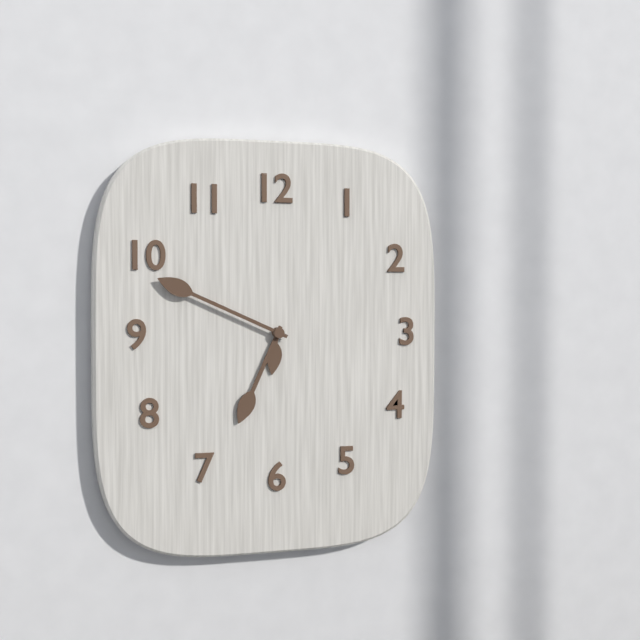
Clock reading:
{"hour": 6, "minute": 49}
